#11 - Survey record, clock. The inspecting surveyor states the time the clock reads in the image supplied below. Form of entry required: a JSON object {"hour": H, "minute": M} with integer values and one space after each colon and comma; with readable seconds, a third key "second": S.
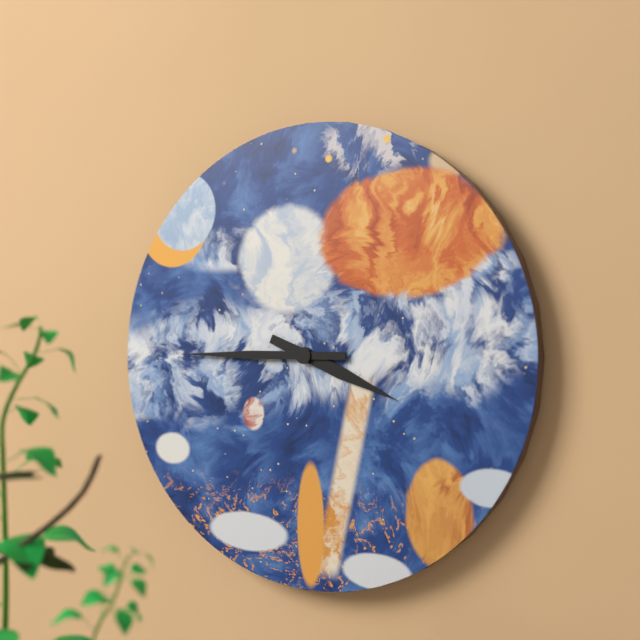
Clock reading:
{"hour": 3, "minute": 45}
